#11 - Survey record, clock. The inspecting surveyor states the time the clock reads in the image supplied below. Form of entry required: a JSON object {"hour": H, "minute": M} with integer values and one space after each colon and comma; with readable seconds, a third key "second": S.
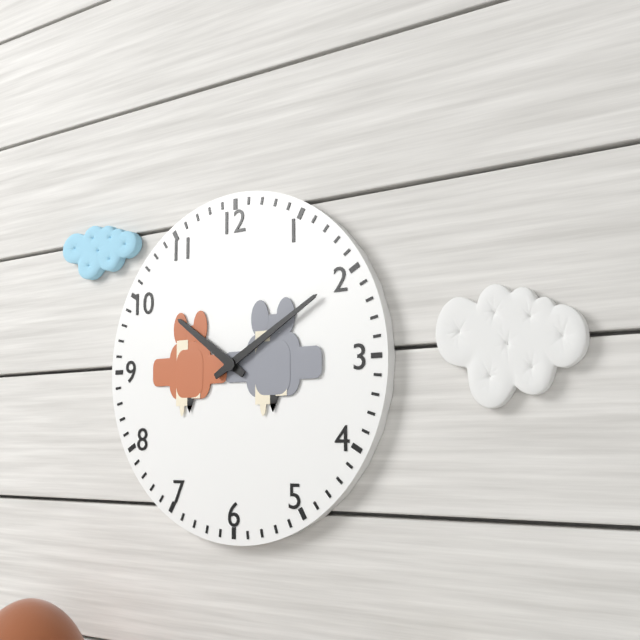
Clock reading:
{"hour": 10, "minute": 10}
